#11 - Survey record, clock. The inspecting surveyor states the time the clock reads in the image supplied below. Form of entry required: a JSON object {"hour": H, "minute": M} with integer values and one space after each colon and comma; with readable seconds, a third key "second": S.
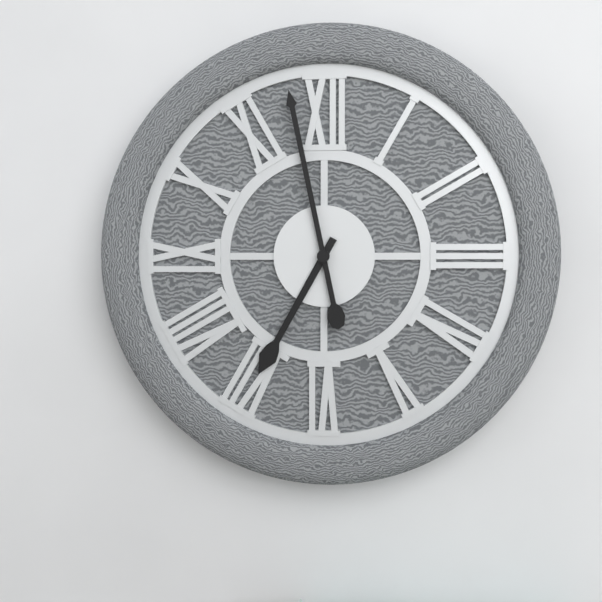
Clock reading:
{"hour": 6, "minute": 58}
